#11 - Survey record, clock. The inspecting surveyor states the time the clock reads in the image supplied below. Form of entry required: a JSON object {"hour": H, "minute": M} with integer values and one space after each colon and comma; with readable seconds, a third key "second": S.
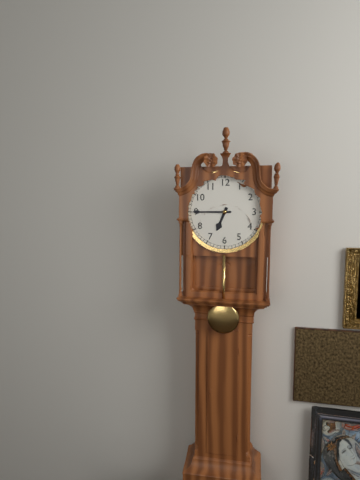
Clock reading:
{"hour": 6, "minute": 45}
